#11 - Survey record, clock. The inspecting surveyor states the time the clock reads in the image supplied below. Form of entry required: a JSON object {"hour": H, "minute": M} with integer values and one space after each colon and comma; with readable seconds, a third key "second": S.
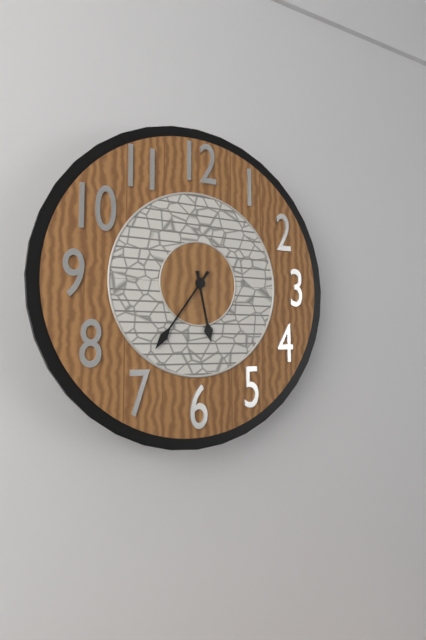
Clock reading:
{"hour": 5, "minute": 36}
